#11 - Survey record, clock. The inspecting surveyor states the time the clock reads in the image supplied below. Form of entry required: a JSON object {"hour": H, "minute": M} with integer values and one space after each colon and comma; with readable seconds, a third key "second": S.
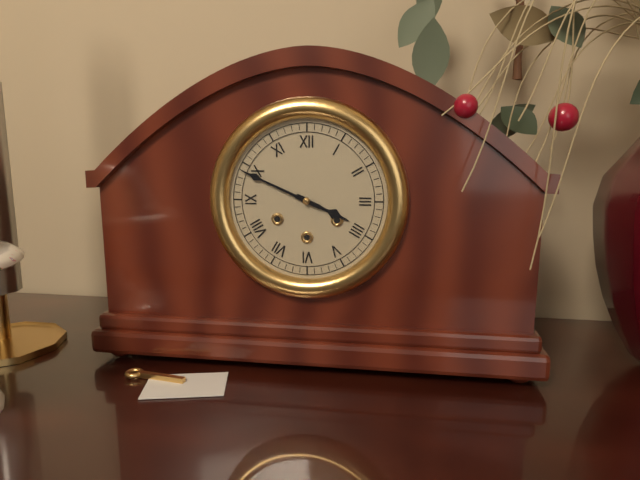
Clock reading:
{"hour": 3, "minute": 49}
